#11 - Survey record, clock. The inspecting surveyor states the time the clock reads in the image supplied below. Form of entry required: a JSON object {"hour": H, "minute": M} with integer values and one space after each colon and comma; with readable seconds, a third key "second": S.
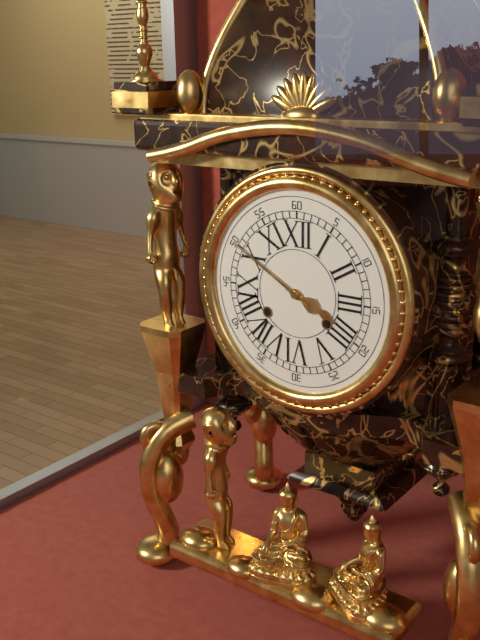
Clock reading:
{"hour": 3, "minute": 50}
